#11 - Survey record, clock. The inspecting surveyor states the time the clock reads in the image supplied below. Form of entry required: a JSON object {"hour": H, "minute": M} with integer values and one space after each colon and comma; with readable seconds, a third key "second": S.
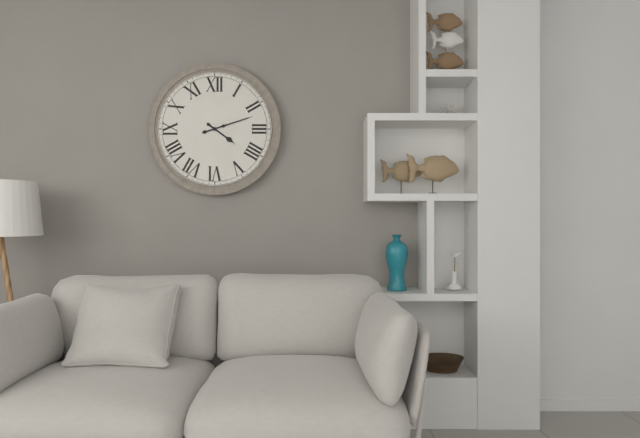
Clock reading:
{"hour": 4, "minute": 12}
